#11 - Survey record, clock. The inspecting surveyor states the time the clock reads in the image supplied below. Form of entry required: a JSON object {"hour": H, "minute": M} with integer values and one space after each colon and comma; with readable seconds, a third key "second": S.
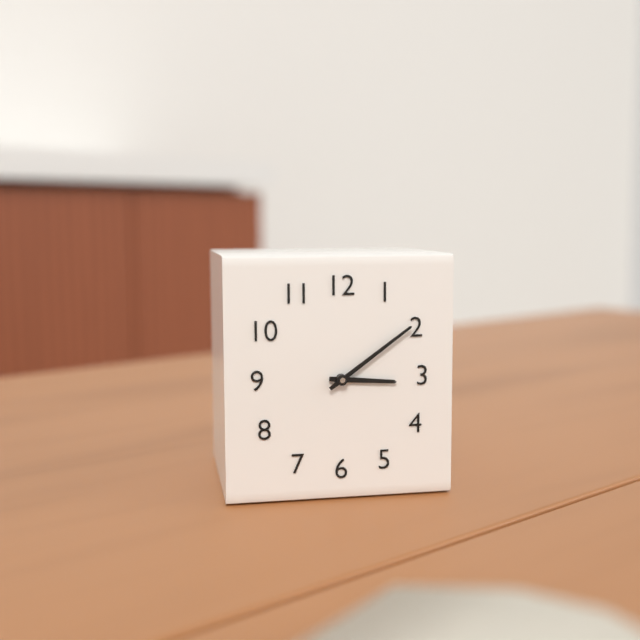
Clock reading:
{"hour": 3, "minute": 9}
